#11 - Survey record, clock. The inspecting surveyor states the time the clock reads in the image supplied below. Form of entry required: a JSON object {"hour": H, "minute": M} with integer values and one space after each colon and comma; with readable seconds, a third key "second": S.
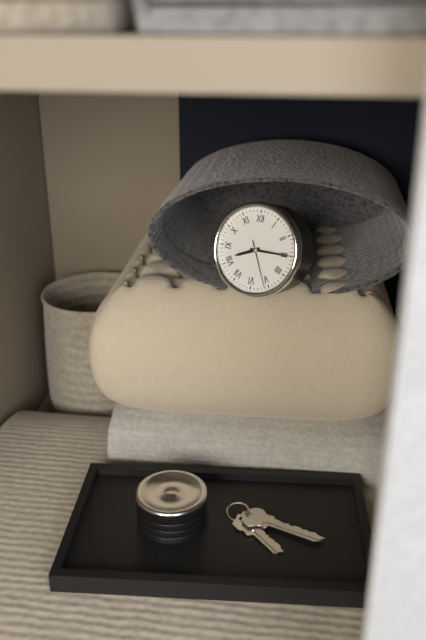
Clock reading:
{"hour": 8, "minute": 15}
